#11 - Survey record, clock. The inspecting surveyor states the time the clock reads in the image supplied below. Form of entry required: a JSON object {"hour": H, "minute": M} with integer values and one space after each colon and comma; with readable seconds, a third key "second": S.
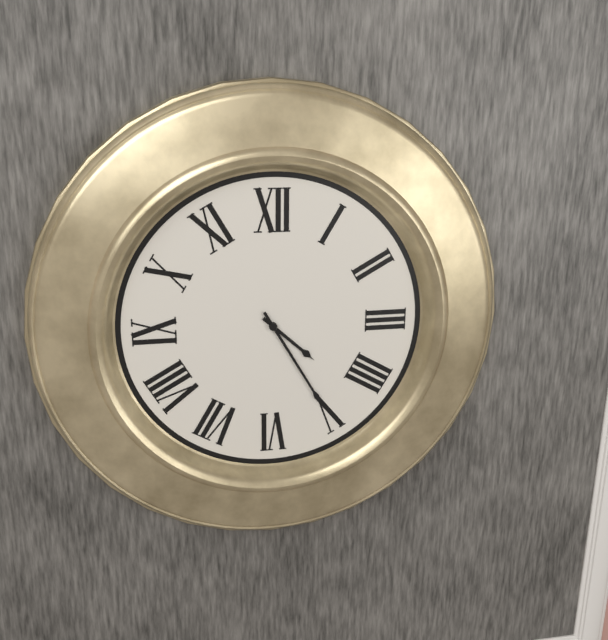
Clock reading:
{"hour": 4, "minute": 25}
